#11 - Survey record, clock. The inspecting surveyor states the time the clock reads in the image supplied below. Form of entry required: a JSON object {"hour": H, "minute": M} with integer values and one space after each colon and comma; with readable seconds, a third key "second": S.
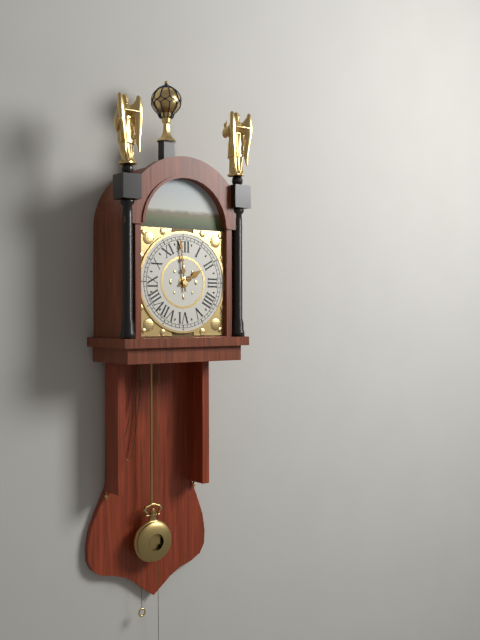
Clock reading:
{"hour": 1, "minute": 59}
